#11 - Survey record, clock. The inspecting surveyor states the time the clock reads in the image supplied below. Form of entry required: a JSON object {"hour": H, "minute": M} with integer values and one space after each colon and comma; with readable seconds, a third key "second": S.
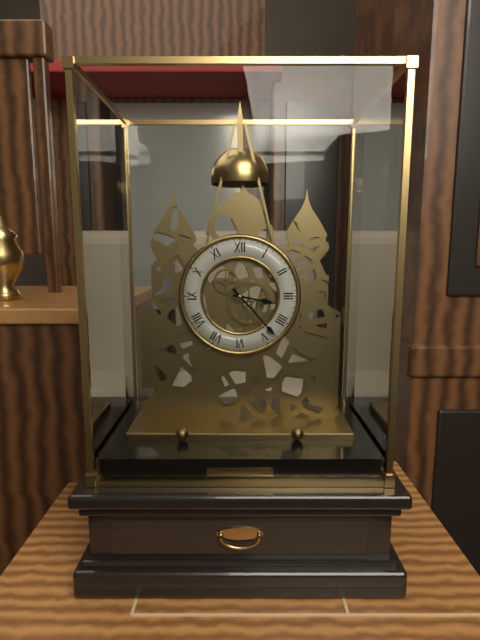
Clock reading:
{"hour": 3, "minute": 23}
